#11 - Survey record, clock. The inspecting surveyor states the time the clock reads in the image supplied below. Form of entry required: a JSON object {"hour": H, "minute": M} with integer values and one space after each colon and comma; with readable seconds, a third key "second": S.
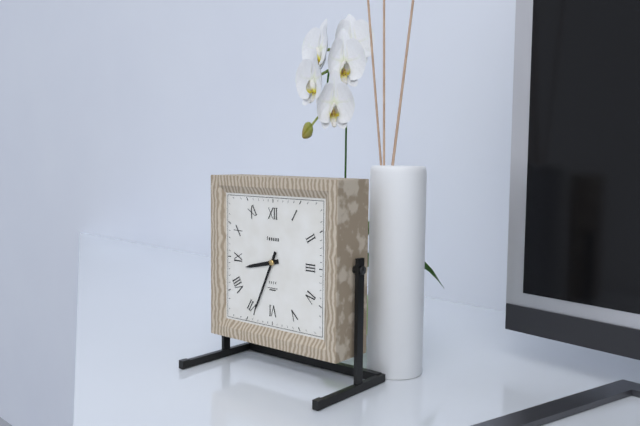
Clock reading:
{"hour": 8, "minute": 34}
